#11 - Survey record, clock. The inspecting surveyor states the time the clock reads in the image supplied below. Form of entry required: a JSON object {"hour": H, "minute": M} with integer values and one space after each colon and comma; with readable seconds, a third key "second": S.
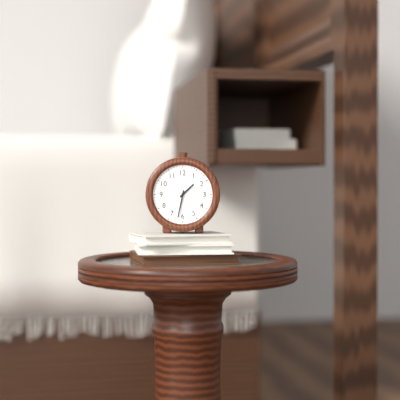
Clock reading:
{"hour": 1, "minute": 32}
